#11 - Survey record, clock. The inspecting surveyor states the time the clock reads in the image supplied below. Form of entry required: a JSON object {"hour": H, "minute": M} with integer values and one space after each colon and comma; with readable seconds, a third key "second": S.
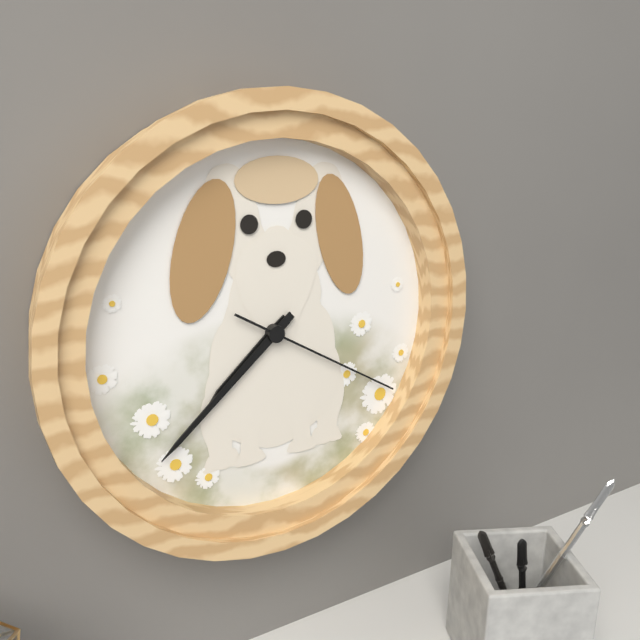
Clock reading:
{"hour": 7, "minute": 38, "second": 20}
